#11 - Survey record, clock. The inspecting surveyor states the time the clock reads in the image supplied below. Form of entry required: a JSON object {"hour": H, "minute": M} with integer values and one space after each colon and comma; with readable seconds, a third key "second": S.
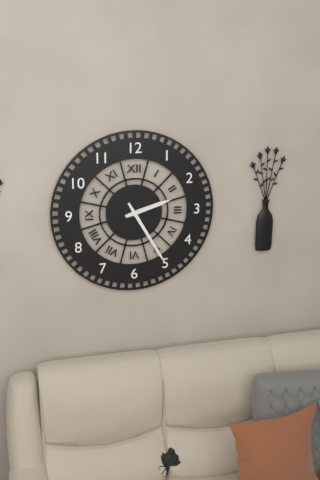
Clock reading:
{"hour": 2, "minute": 25}
